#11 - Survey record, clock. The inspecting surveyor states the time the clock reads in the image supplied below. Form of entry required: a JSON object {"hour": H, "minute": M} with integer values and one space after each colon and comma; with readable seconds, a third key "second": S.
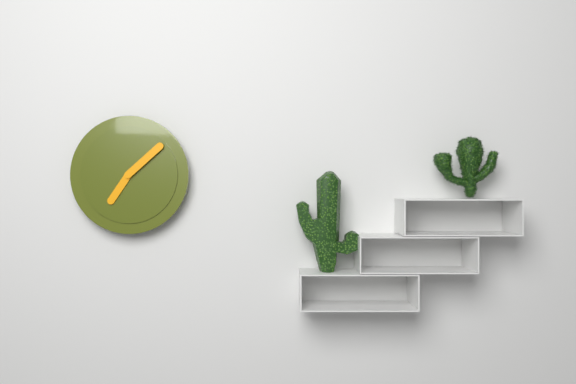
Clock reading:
{"hour": 7, "minute": 8}
